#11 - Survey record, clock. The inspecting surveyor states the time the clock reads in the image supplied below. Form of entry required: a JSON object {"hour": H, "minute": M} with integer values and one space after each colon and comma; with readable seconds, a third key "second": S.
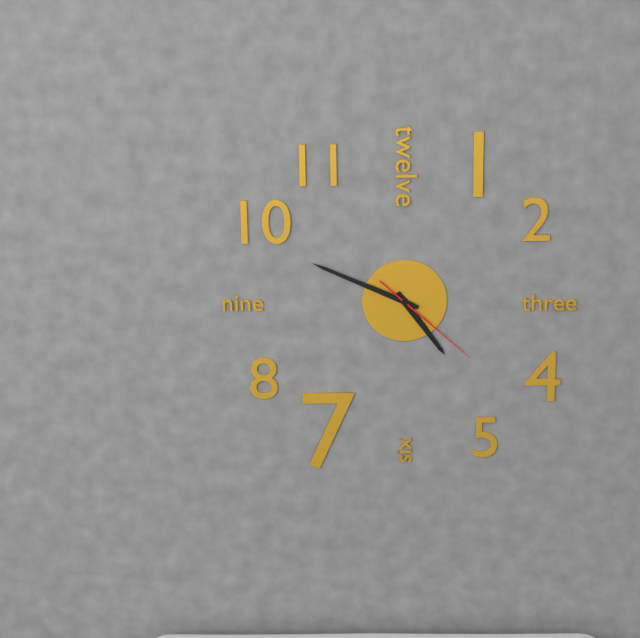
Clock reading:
{"hour": 4, "minute": 49, "second": 22}
